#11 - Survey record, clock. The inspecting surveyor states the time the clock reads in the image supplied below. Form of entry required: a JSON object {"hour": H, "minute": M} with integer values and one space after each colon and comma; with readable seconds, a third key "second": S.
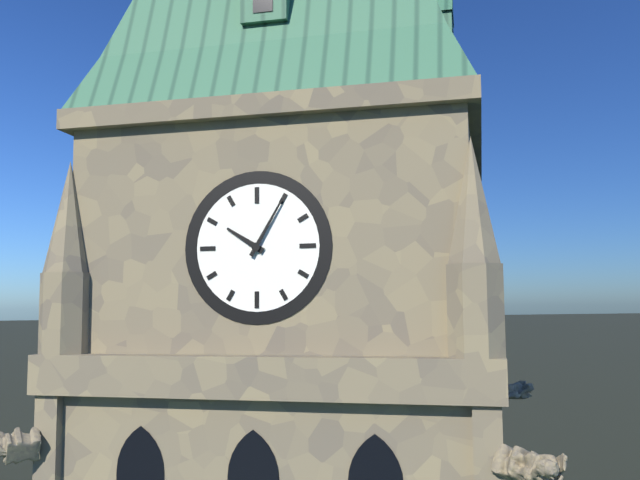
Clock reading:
{"hour": 10, "minute": 5}
